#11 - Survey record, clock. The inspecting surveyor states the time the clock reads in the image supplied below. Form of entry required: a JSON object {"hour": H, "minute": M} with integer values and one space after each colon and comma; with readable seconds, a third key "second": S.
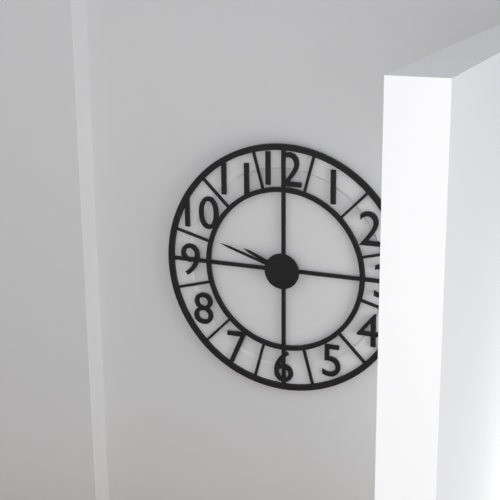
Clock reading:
{"hour": 9, "minute": 48}
